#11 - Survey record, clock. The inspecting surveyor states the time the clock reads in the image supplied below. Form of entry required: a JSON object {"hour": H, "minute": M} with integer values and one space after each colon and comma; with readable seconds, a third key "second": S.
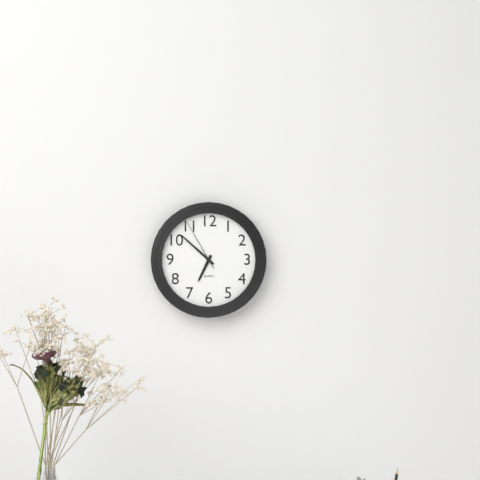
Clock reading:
{"hour": 6, "minute": 52, "second": 55}
